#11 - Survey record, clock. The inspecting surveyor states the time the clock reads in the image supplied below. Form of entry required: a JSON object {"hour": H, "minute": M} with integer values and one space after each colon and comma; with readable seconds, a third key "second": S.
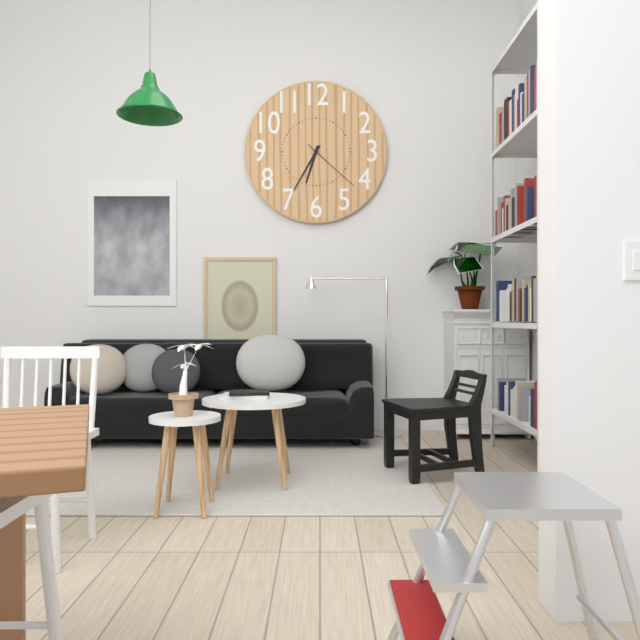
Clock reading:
{"hour": 6, "minute": 35, "second": 22}
